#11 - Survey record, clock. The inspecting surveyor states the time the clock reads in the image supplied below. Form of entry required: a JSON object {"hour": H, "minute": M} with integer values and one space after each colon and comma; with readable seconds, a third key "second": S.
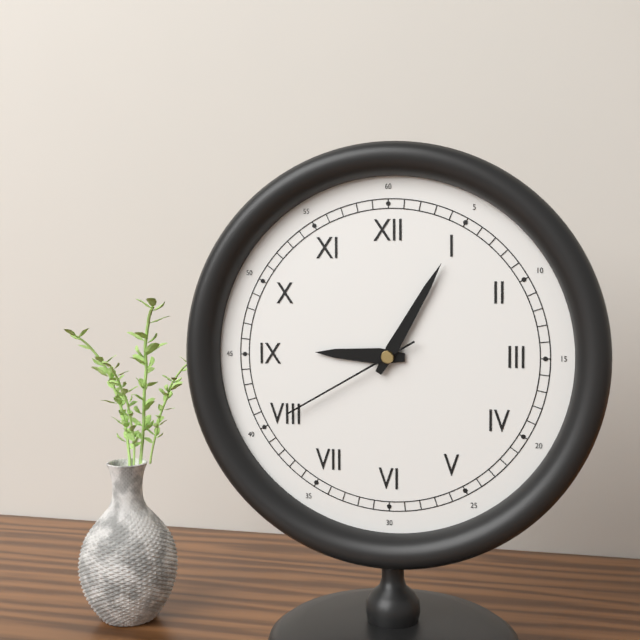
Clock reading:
{"hour": 9, "minute": 5, "second": 40}
